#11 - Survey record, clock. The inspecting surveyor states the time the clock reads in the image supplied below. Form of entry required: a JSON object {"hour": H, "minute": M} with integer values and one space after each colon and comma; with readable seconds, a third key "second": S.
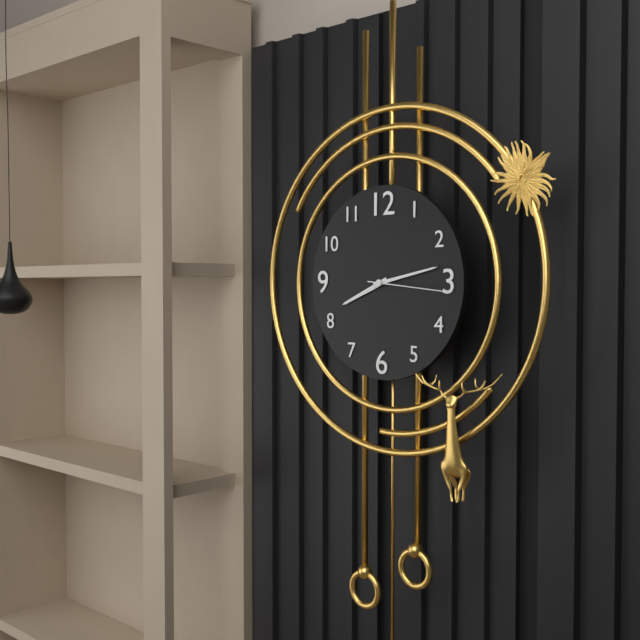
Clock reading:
{"hour": 8, "minute": 13, "second": 16}
